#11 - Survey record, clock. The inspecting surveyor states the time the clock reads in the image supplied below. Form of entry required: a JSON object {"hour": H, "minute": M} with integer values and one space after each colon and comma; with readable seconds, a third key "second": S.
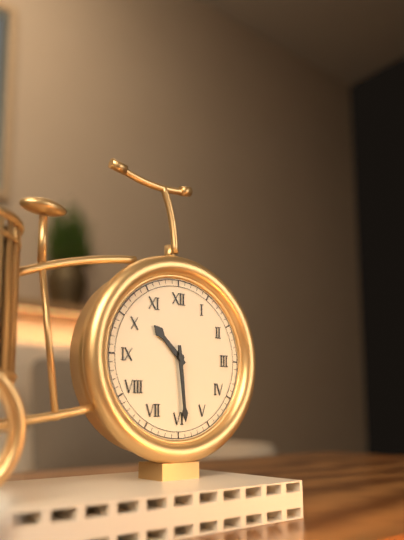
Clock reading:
{"hour": 10, "minute": 29}
